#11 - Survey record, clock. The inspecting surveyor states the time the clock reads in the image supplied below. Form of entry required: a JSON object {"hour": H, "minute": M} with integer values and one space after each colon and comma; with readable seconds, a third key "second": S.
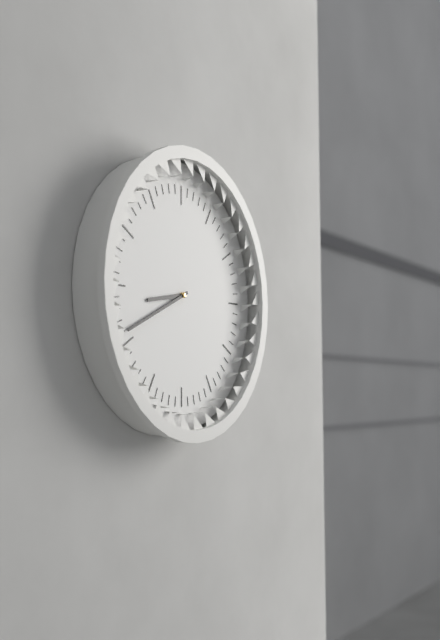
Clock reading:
{"hour": 8, "minute": 41}
